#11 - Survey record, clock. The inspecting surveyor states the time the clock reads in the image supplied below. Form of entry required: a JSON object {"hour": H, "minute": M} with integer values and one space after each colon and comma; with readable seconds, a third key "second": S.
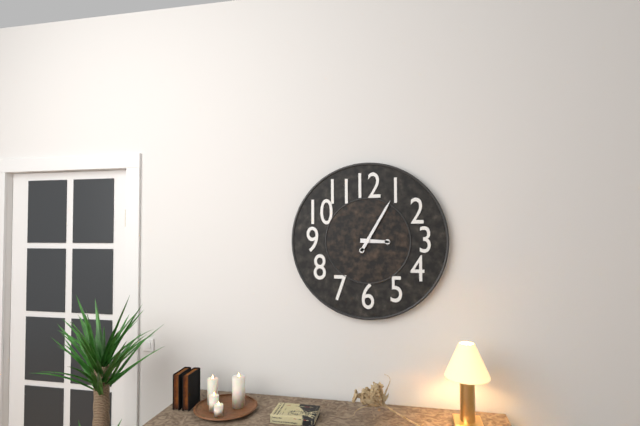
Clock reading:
{"hour": 3, "minute": 5}
